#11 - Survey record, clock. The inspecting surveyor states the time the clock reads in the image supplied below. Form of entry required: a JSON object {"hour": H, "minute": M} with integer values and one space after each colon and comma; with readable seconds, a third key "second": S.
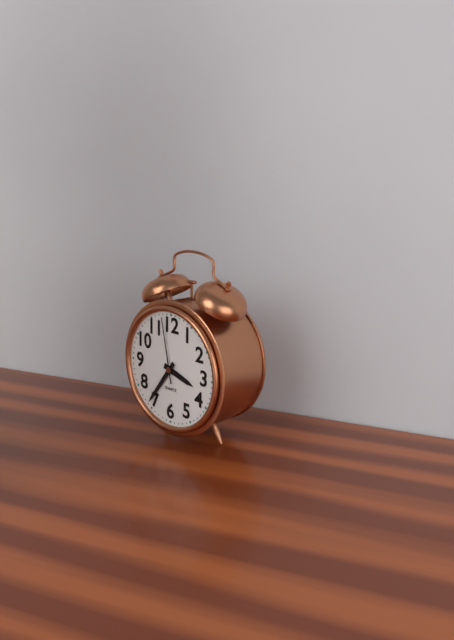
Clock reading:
{"hour": 3, "minute": 36, "second": 58}
